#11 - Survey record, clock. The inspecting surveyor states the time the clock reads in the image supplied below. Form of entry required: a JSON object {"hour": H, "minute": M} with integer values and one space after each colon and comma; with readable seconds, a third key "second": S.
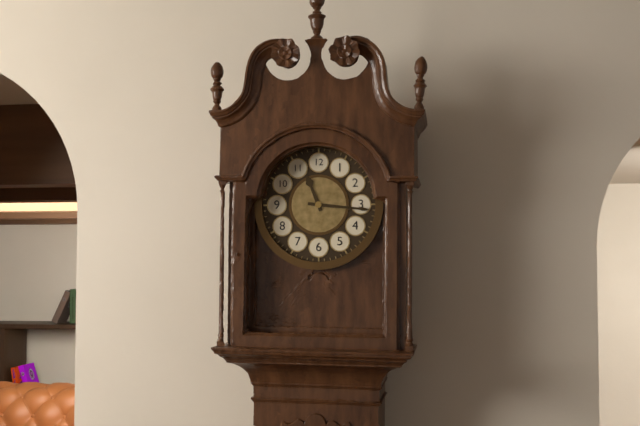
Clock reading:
{"hour": 11, "minute": 16}
